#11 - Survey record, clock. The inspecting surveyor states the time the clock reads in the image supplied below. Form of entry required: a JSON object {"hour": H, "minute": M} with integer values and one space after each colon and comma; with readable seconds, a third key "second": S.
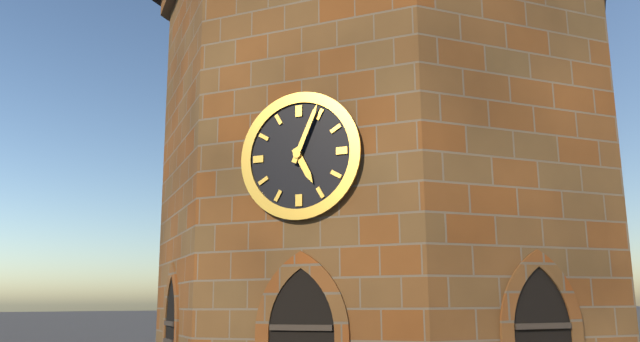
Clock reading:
{"hour": 5, "minute": 4}
